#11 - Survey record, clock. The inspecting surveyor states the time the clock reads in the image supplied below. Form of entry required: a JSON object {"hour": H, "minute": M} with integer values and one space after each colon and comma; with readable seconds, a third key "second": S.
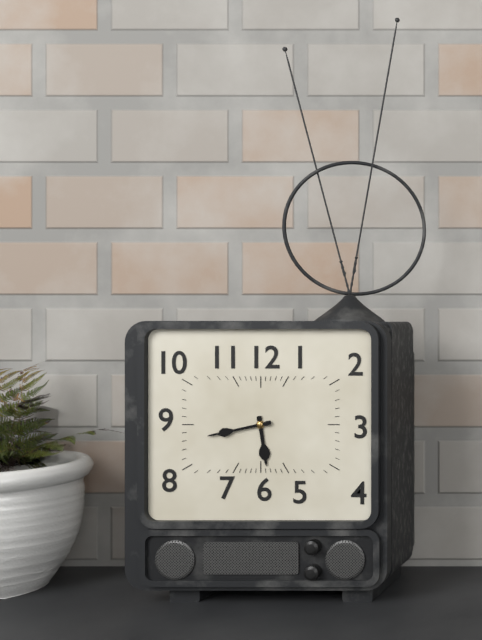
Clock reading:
{"hour": 5, "minute": 43}
